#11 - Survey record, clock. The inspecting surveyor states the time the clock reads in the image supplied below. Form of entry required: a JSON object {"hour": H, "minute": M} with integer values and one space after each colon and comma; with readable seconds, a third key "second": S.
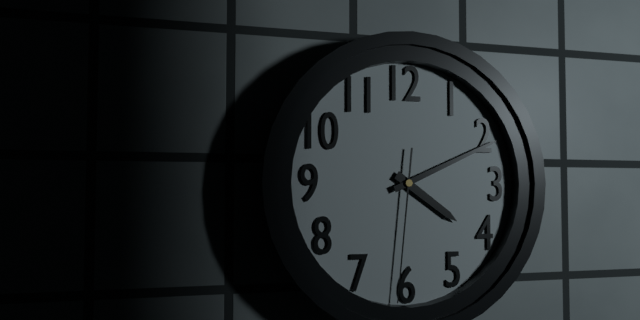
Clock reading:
{"hour": 4, "minute": 11, "second": 31}
